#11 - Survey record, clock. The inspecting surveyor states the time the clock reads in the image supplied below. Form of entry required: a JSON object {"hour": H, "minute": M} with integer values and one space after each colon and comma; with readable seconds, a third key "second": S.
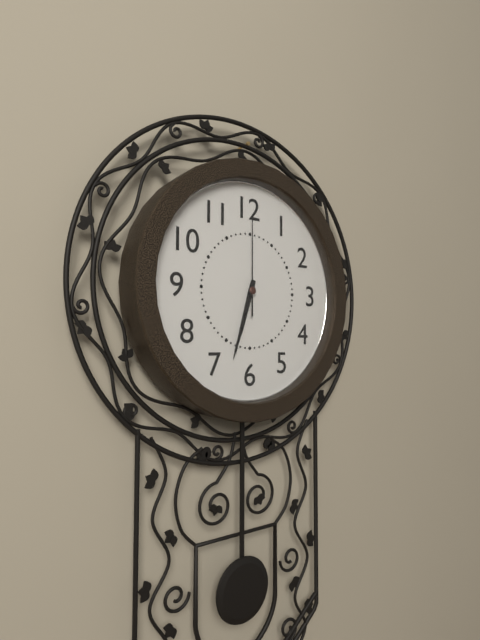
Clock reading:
{"hour": 6, "minute": 33, "second": 0}
